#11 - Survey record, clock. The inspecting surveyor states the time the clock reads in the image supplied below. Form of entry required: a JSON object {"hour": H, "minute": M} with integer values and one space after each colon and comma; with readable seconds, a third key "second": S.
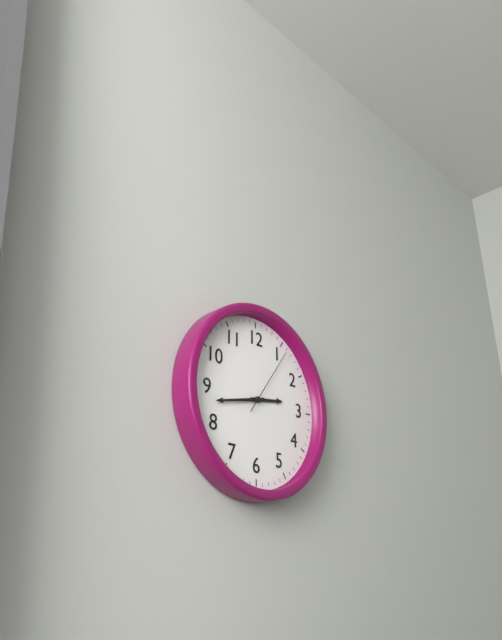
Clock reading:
{"hour": 2, "minute": 43, "second": 6}
